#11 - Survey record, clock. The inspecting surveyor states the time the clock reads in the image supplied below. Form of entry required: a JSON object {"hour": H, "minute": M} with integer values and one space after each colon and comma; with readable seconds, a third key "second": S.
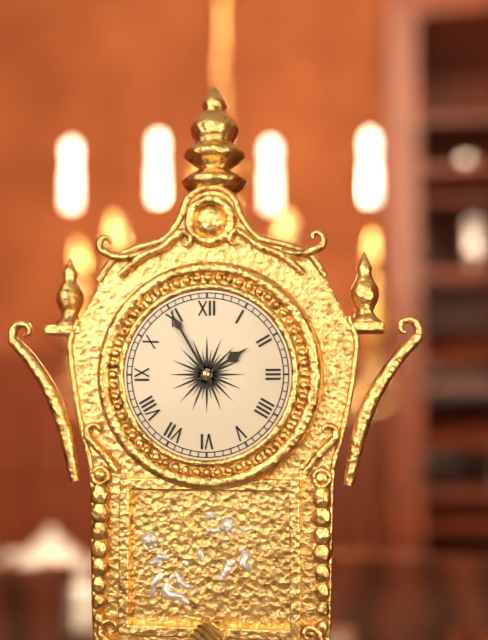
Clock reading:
{"hour": 1, "minute": 55}
